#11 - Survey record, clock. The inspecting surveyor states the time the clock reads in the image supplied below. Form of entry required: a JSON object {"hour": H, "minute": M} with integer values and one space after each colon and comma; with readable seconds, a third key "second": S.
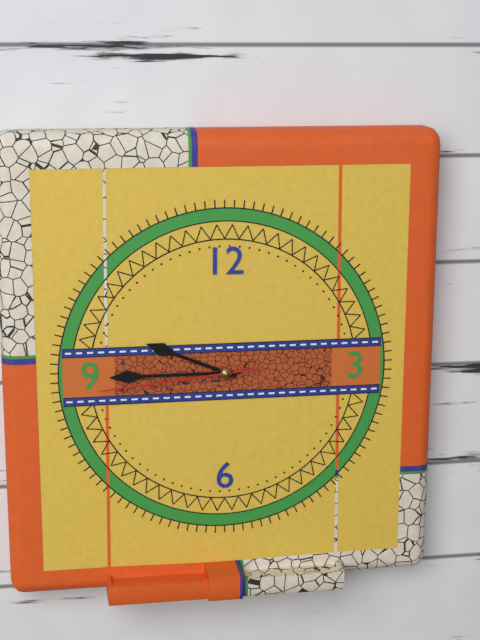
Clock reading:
{"hour": 9, "minute": 45, "second": 44}
